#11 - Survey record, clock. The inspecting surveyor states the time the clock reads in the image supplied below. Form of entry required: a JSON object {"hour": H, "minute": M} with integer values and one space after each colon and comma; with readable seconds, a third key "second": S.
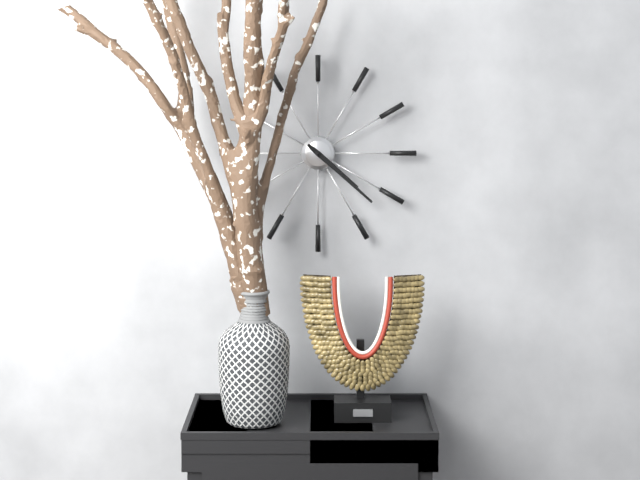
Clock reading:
{"hour": 4, "minute": 22}
